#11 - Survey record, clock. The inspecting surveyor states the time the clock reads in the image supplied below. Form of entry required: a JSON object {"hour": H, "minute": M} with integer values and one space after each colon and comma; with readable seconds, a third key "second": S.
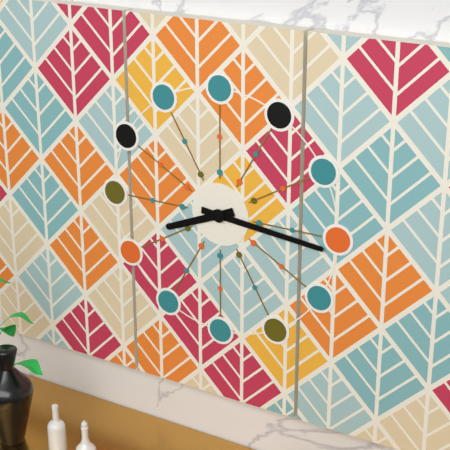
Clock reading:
{"hour": 8, "minute": 16}
